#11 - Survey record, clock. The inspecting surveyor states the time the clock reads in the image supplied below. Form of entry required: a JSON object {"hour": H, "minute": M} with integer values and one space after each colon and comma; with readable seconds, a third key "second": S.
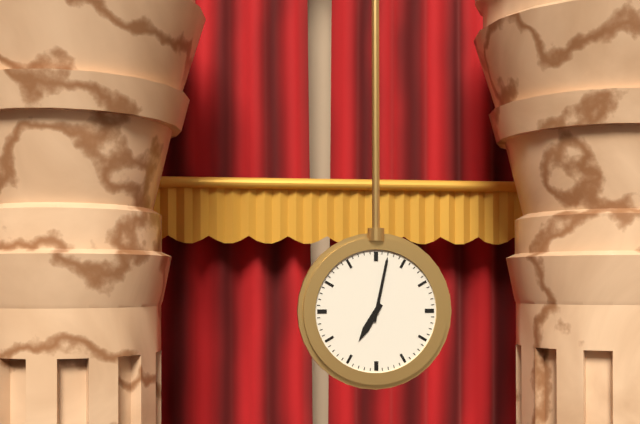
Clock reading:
{"hour": 7, "minute": 2}
